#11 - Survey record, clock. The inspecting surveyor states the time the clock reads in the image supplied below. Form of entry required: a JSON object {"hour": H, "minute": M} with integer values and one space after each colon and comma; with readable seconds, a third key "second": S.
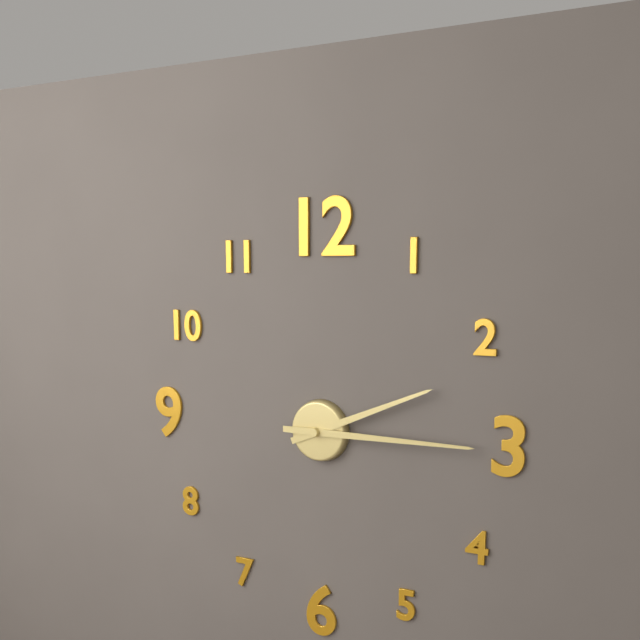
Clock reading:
{"hour": 2, "minute": 15}
